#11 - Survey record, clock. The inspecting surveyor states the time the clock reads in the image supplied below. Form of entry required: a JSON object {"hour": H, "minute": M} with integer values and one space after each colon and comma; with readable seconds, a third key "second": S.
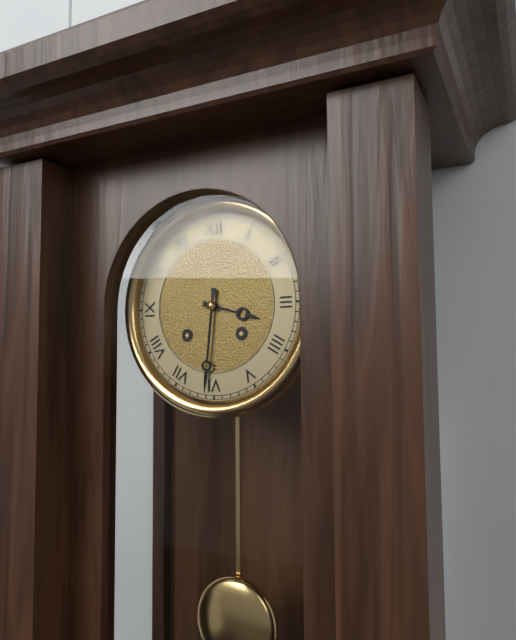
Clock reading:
{"hour": 3, "minute": 31}
